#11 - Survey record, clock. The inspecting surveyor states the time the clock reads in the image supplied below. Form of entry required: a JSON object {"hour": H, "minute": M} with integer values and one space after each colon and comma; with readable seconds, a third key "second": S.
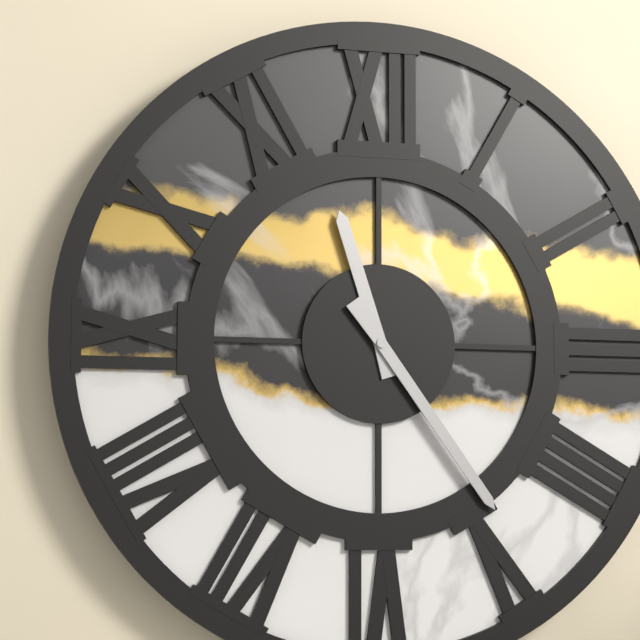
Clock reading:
{"hour": 11, "minute": 24}
